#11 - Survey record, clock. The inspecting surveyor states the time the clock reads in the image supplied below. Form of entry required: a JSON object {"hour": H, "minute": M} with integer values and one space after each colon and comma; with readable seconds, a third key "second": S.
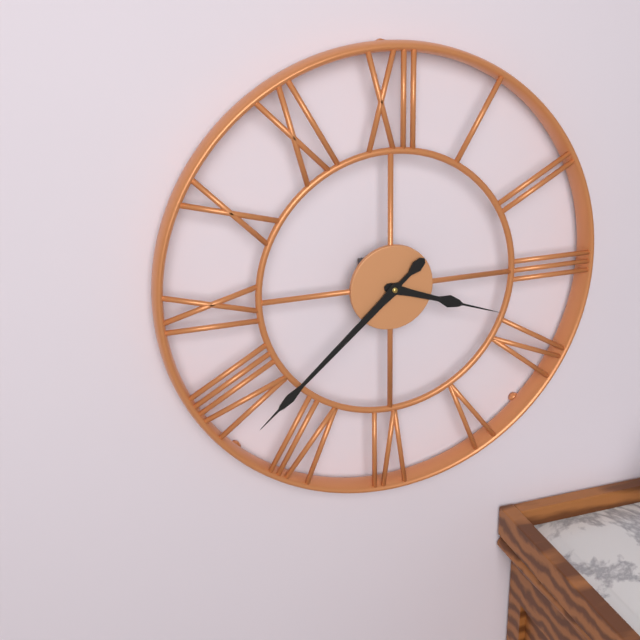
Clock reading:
{"hour": 3, "minute": 38}
